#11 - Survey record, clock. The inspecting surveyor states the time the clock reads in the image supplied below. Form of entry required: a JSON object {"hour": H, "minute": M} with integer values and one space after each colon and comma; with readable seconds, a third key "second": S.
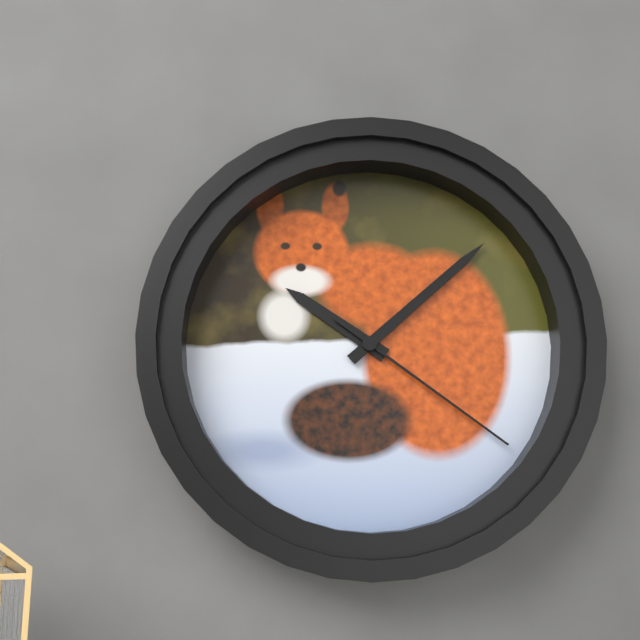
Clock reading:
{"hour": 10, "minute": 8, "second": 21}
